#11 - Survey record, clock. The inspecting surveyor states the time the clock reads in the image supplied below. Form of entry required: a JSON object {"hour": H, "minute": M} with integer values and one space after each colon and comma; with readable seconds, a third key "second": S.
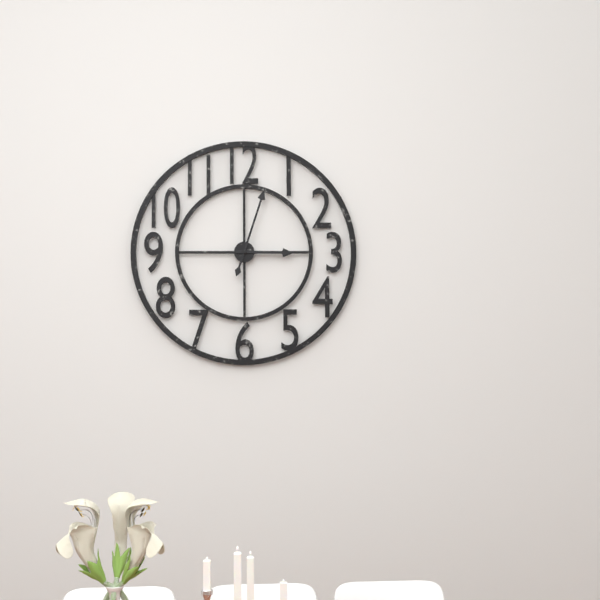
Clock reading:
{"hour": 3, "minute": 3}
